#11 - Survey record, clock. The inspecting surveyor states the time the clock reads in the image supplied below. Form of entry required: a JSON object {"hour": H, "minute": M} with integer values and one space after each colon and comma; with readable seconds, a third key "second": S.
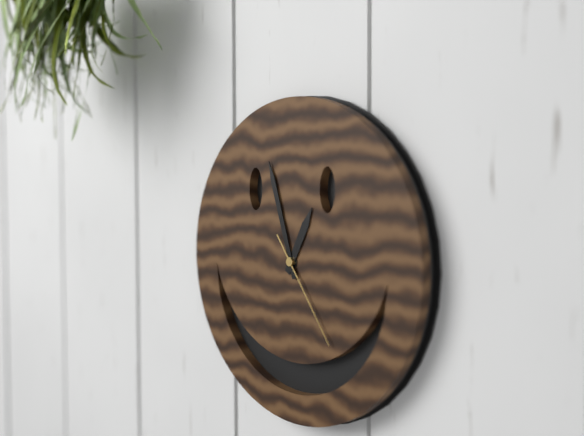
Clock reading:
{"hour": 12, "minute": 57, "second": 24}
